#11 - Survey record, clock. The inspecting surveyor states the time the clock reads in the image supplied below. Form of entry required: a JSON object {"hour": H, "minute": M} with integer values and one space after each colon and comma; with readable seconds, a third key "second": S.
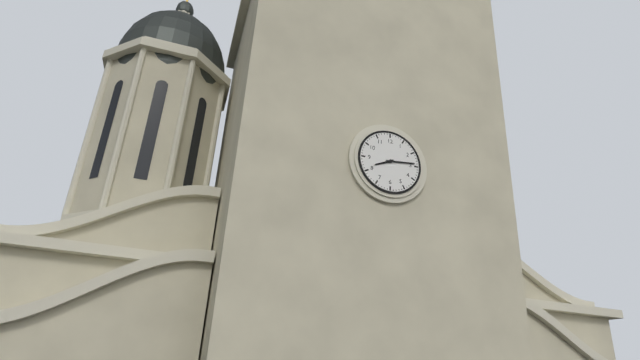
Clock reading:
{"hour": 8, "minute": 14}
